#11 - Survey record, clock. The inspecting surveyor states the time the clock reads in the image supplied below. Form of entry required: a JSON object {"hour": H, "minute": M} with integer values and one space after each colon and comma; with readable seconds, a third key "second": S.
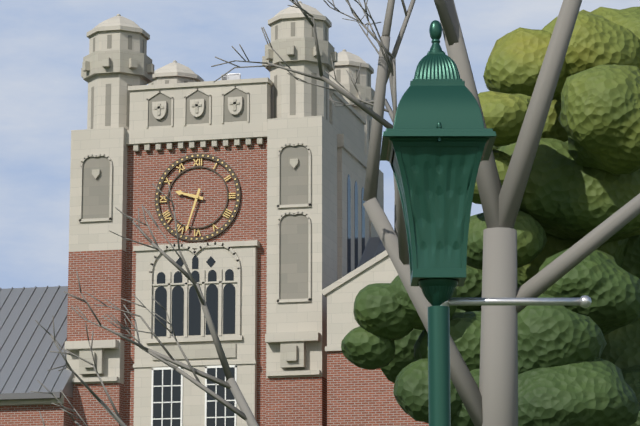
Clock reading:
{"hour": 9, "minute": 33}
